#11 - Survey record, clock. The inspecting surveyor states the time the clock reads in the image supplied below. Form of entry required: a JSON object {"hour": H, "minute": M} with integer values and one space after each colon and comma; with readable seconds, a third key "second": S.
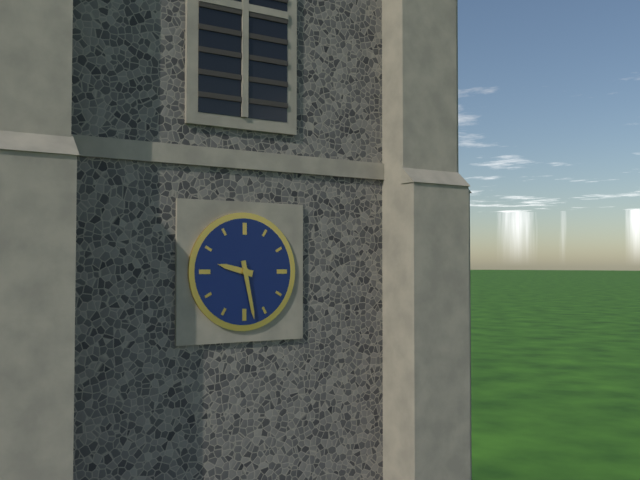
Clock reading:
{"hour": 9, "minute": 28}
